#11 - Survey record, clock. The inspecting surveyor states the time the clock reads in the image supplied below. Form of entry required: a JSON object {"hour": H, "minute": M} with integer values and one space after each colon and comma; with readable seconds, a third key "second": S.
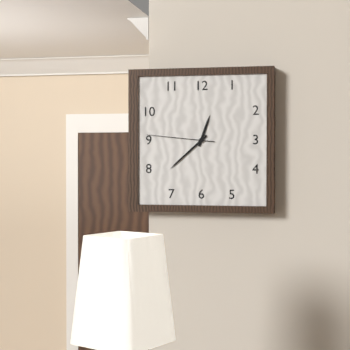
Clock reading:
{"hour": 12, "minute": 38, "second": 46}
